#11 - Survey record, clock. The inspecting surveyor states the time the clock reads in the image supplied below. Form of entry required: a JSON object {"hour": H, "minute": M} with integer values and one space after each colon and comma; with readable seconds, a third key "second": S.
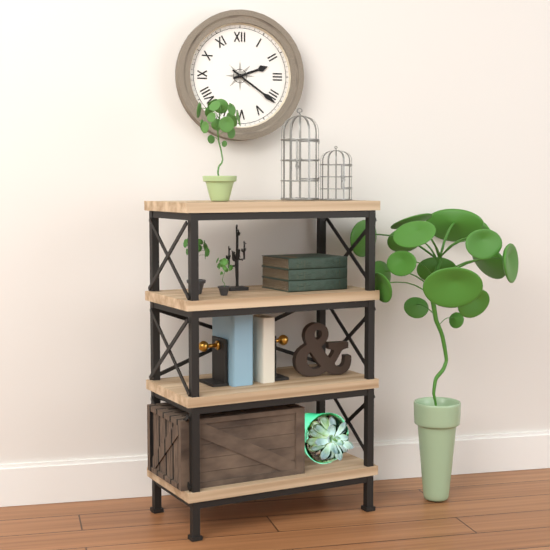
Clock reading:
{"hour": 2, "minute": 21}
